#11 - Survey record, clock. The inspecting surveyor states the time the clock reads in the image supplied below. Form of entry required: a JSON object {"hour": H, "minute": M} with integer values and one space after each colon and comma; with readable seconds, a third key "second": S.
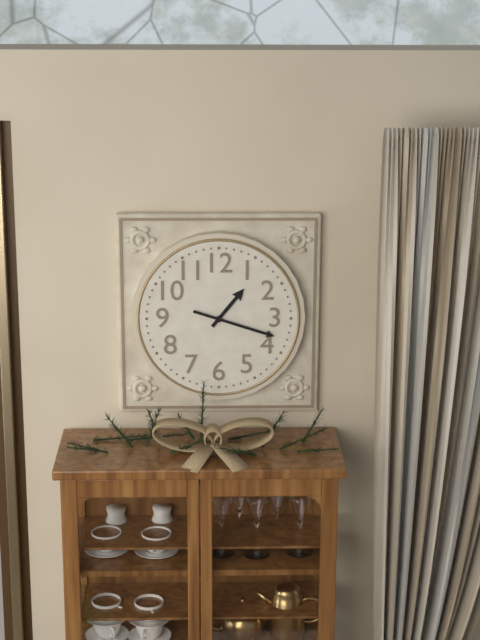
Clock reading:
{"hour": 1, "minute": 18}
